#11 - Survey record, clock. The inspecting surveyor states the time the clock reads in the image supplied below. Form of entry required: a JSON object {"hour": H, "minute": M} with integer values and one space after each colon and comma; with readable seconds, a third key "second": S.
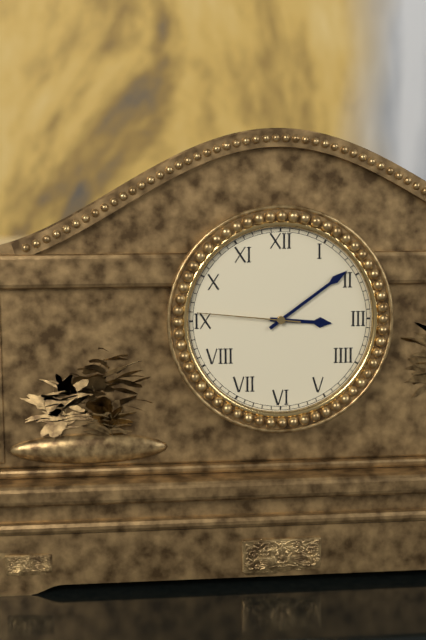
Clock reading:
{"hour": 3, "minute": 9, "second": 46}
